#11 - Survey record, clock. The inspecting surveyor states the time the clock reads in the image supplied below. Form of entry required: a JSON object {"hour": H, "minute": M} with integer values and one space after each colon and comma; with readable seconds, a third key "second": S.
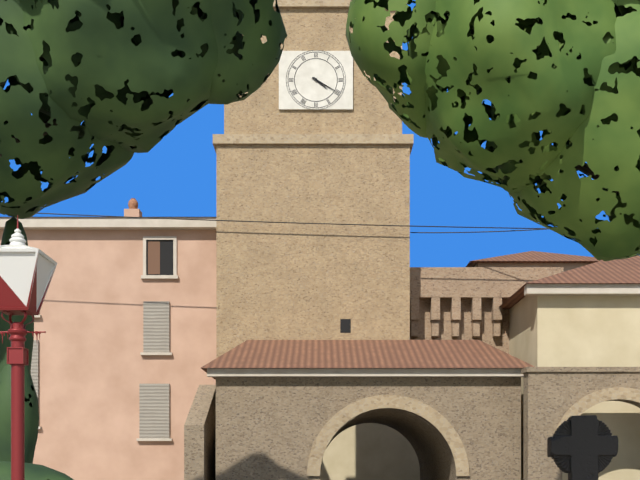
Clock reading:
{"hour": 4, "minute": 20}
